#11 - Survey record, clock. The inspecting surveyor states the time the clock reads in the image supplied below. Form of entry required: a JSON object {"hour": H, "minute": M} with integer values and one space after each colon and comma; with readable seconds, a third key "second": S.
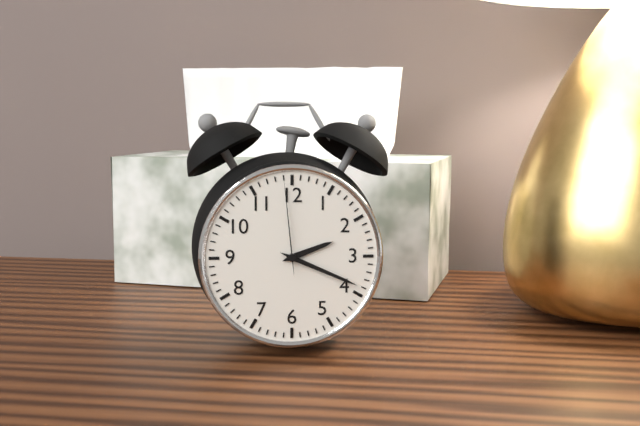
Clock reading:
{"hour": 2, "minute": 19, "second": 59}
